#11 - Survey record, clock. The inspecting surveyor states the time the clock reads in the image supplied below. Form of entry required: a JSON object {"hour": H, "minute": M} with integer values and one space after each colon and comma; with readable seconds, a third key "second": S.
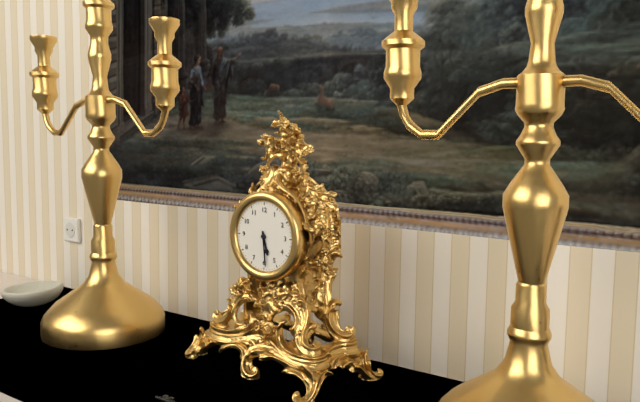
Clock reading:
{"hour": 5, "minute": 29}
